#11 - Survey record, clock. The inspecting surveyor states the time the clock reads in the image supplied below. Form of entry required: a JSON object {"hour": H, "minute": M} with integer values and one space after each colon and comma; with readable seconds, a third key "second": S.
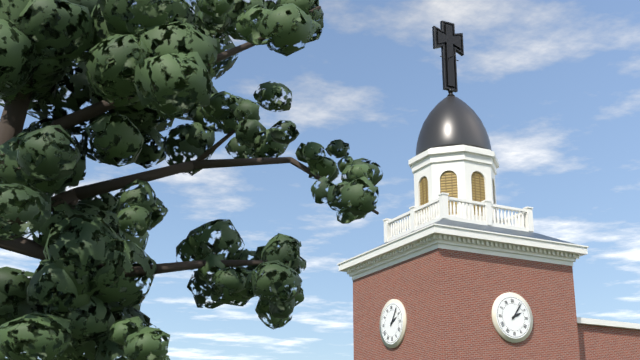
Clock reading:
{"hour": 2, "minute": 6}
